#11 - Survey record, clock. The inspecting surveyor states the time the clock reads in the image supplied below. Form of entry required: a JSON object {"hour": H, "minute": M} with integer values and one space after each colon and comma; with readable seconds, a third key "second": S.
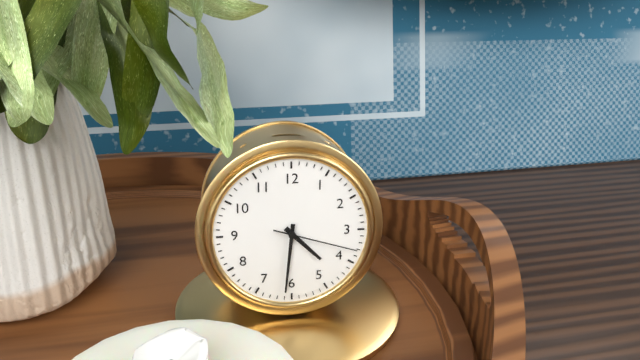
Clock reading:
{"hour": 4, "minute": 31, "second": 18}
